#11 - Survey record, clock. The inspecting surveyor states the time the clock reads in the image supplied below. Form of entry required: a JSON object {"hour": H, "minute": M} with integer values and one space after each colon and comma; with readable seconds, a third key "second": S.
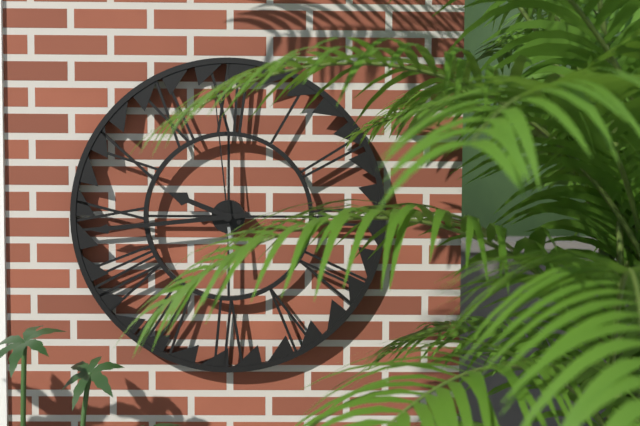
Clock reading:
{"hour": 9, "minute": 44, "second": 59}
